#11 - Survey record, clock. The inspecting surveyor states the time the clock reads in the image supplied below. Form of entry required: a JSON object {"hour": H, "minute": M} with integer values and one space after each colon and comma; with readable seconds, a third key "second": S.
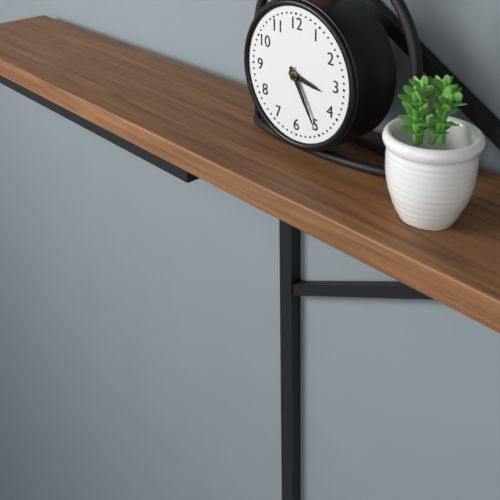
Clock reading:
{"hour": 3, "minute": 25}
